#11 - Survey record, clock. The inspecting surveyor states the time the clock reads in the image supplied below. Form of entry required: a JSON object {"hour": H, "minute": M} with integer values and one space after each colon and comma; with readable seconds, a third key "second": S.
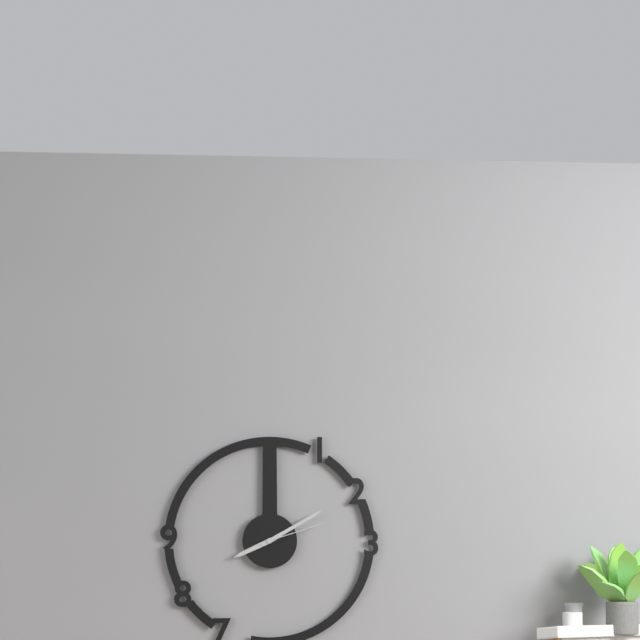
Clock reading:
{"hour": 8, "minute": 10, "second": 12}
